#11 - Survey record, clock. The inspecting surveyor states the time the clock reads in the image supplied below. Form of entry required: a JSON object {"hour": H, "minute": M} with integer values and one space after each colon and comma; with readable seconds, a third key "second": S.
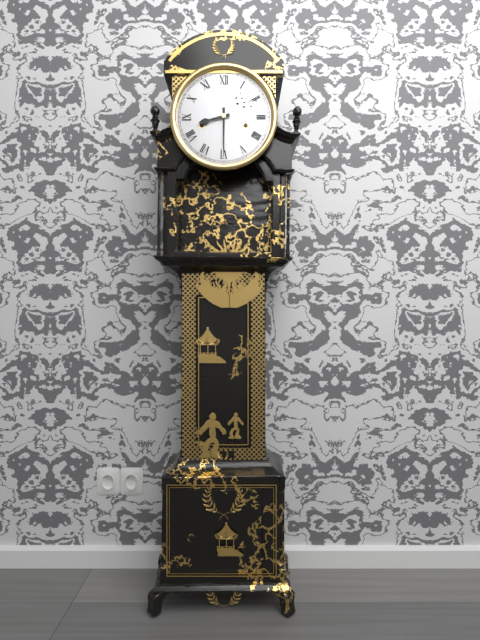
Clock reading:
{"hour": 8, "minute": 30}
